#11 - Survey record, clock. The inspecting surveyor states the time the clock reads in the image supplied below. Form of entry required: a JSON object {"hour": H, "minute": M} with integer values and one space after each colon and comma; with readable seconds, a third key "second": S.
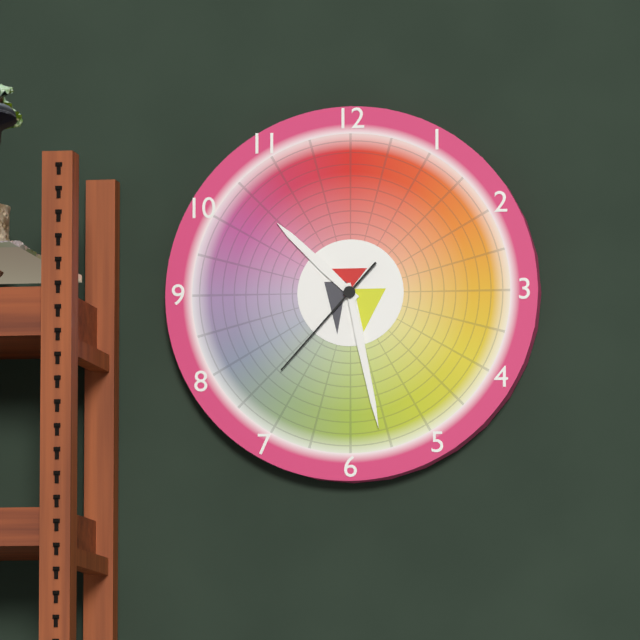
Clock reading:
{"hour": 10, "minute": 28, "second": 37}
